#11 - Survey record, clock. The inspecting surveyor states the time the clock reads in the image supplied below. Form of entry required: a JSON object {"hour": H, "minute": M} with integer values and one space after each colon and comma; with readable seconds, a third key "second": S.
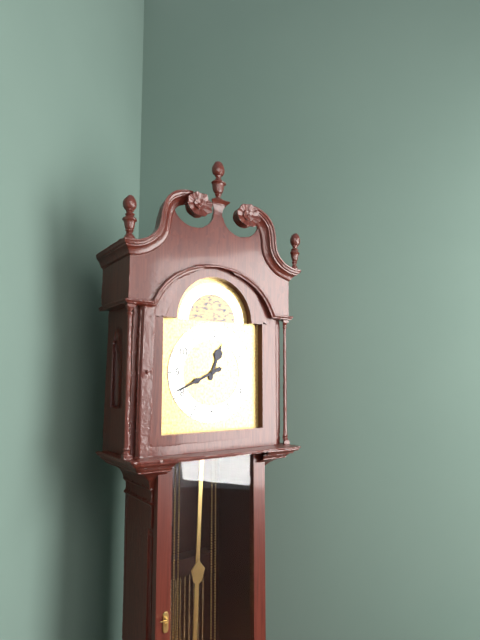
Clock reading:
{"hour": 12, "minute": 41}
